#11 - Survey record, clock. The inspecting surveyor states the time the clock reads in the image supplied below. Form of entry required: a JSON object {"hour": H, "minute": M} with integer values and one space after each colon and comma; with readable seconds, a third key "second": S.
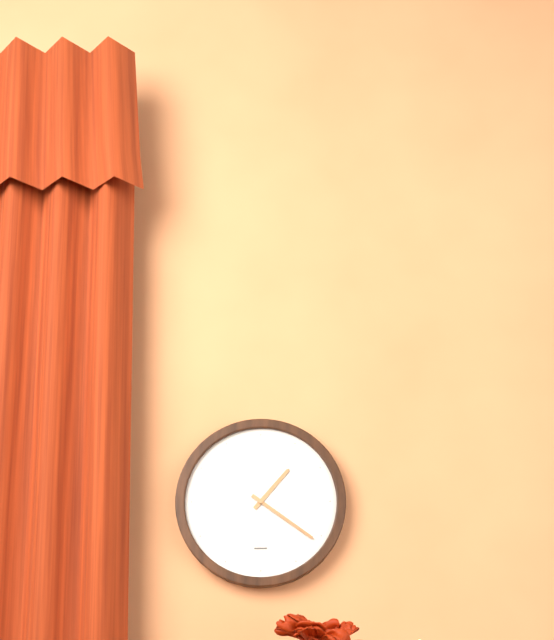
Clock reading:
{"hour": 1, "minute": 21}
